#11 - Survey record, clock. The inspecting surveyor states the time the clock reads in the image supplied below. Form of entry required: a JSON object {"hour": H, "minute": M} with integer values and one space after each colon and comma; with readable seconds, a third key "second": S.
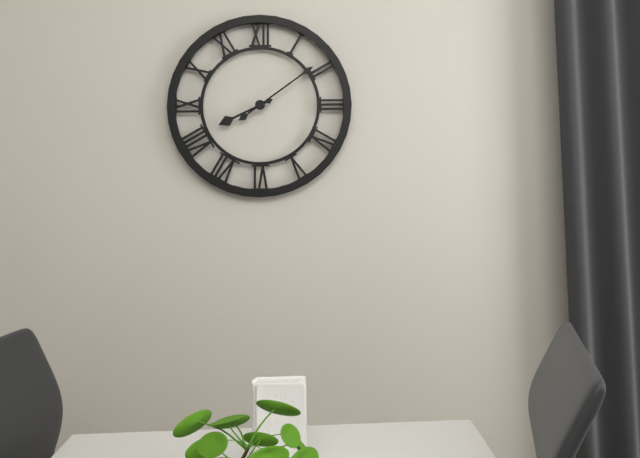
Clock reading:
{"hour": 8, "minute": 9}
